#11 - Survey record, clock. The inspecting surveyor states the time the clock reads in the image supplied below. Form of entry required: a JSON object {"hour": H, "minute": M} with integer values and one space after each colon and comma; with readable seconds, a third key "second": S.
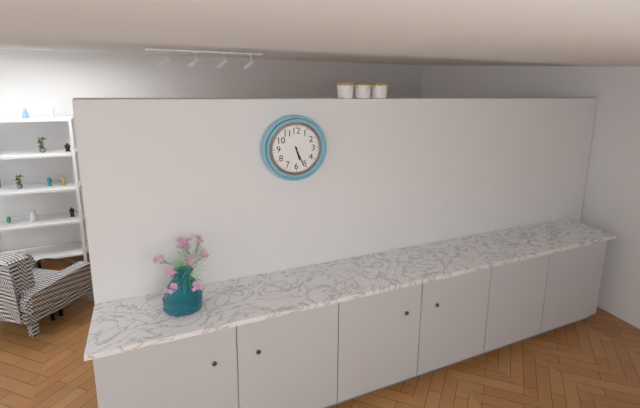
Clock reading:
{"hour": 5, "minute": 26}
